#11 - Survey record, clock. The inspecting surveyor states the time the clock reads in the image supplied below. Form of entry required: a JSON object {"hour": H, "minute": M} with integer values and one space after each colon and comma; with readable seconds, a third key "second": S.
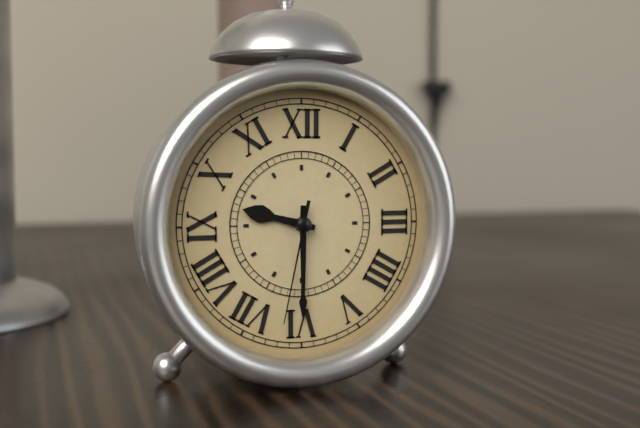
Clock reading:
{"hour": 9, "minute": 30, "second": 32}
